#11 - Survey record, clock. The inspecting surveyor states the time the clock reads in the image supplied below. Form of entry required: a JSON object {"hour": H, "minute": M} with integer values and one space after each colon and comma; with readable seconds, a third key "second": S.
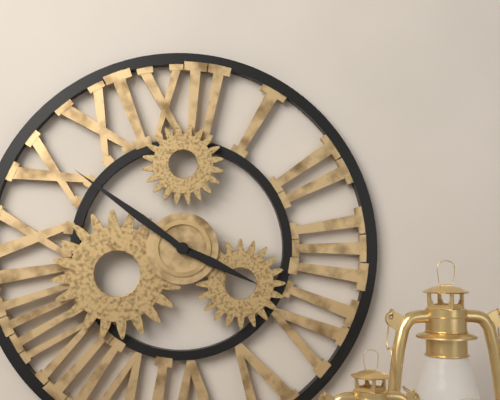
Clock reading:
{"hour": 3, "minute": 51}
